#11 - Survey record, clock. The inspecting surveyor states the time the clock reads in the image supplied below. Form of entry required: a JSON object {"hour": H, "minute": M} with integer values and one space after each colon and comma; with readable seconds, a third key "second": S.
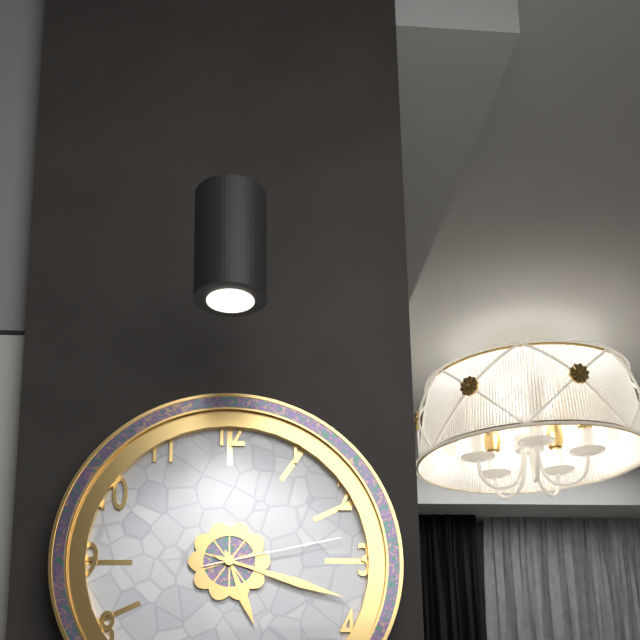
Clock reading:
{"hour": 5, "minute": 18, "second": 13}
